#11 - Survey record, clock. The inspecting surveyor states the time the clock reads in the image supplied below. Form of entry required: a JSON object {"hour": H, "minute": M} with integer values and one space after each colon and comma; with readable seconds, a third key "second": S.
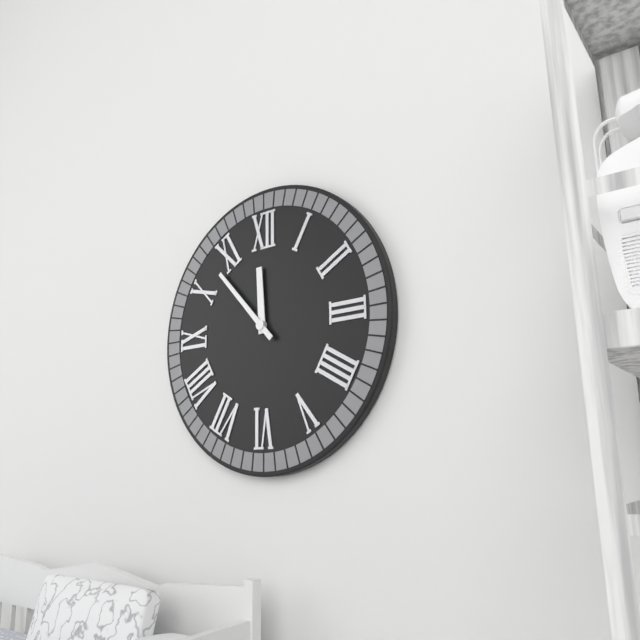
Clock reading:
{"hour": 11, "minute": 53}
